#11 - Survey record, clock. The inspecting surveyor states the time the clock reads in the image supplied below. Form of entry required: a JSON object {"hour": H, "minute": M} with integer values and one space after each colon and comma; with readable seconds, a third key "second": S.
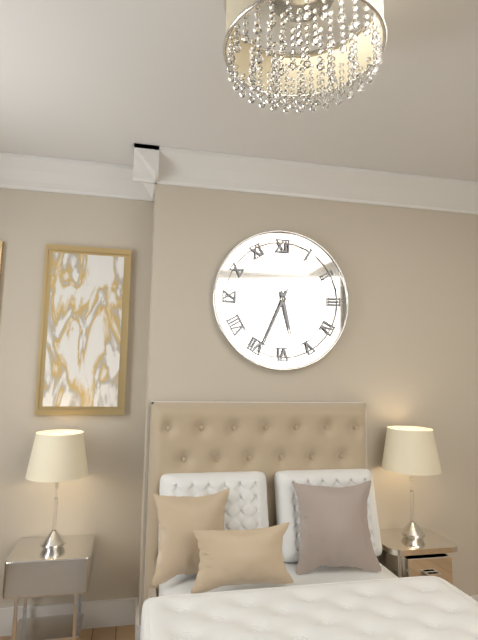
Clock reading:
{"hour": 5, "minute": 34}
